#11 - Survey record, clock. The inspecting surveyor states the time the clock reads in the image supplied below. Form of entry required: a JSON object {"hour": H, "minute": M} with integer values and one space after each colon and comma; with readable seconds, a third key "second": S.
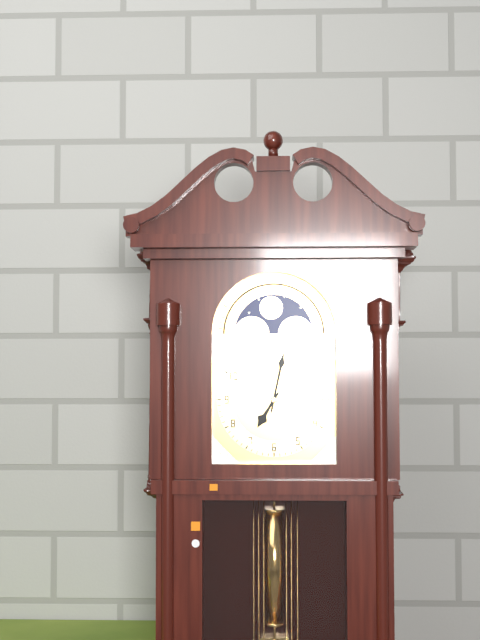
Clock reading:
{"hour": 7, "minute": 2}
